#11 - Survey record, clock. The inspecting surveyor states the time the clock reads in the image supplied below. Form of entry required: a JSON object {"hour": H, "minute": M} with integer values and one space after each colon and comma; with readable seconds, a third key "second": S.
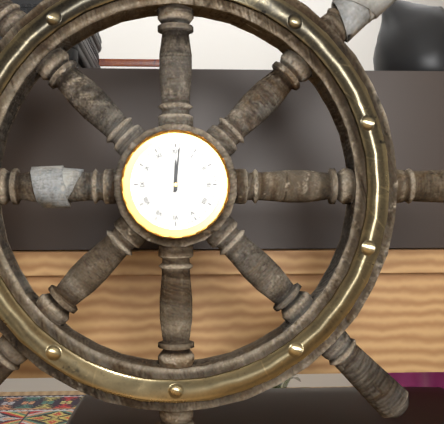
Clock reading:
{"hour": 12, "minute": 1}
